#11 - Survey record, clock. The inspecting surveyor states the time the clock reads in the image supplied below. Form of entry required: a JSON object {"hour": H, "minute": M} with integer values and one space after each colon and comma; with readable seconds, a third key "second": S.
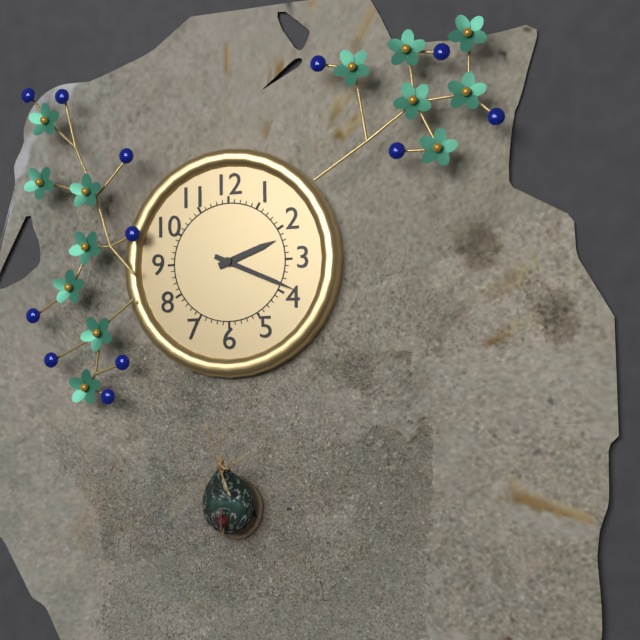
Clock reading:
{"hour": 2, "minute": 19}
